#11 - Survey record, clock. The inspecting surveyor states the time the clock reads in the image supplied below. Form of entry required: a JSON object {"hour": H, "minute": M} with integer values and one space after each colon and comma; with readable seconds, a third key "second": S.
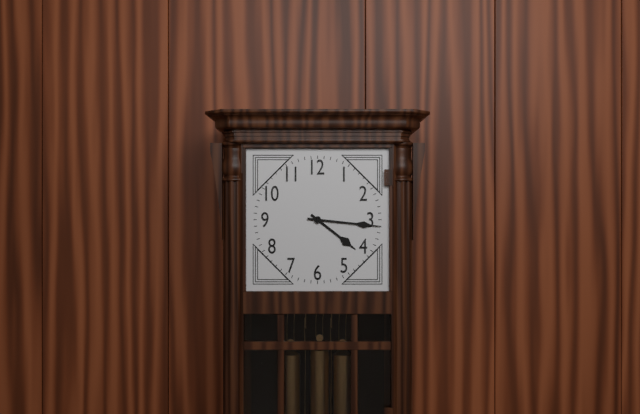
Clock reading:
{"hour": 4, "minute": 16}
